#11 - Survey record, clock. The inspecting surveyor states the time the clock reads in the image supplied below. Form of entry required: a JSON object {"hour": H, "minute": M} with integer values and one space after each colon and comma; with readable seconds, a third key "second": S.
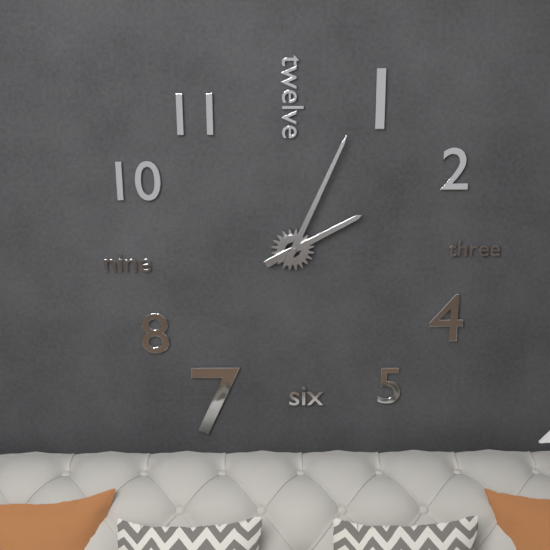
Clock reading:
{"hour": 2, "minute": 4}
